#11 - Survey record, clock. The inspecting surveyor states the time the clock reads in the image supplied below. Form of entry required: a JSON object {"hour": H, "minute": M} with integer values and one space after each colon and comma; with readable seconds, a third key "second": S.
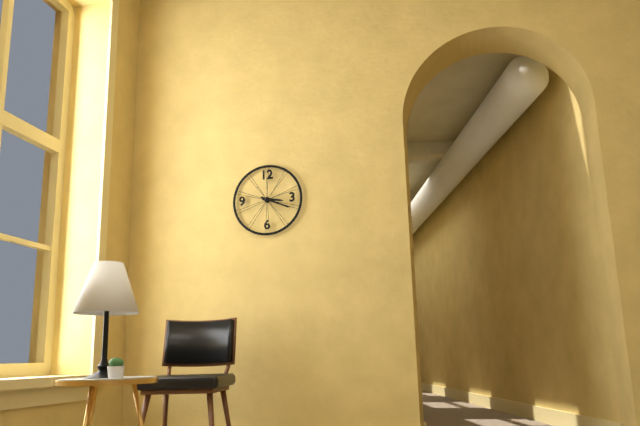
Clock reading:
{"hour": 3, "minute": 19}
